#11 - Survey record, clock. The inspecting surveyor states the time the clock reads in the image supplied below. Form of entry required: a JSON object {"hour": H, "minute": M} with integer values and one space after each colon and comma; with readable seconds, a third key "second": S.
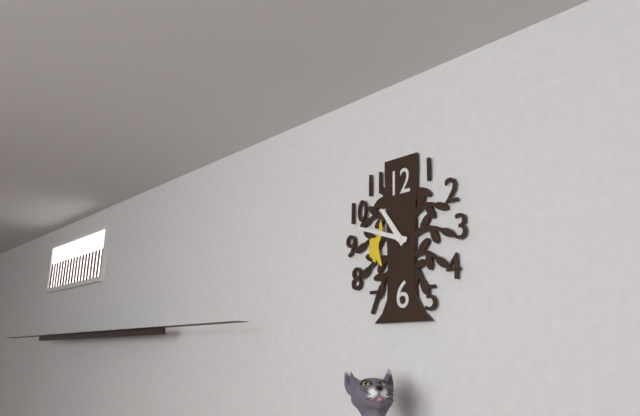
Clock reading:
{"hour": 10, "minute": 48}
